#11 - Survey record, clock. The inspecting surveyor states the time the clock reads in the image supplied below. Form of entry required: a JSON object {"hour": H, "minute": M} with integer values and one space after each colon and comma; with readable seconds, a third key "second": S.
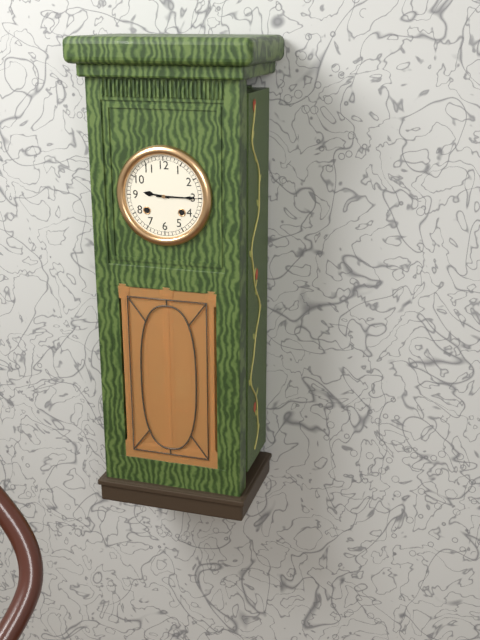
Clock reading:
{"hour": 9, "minute": 15}
